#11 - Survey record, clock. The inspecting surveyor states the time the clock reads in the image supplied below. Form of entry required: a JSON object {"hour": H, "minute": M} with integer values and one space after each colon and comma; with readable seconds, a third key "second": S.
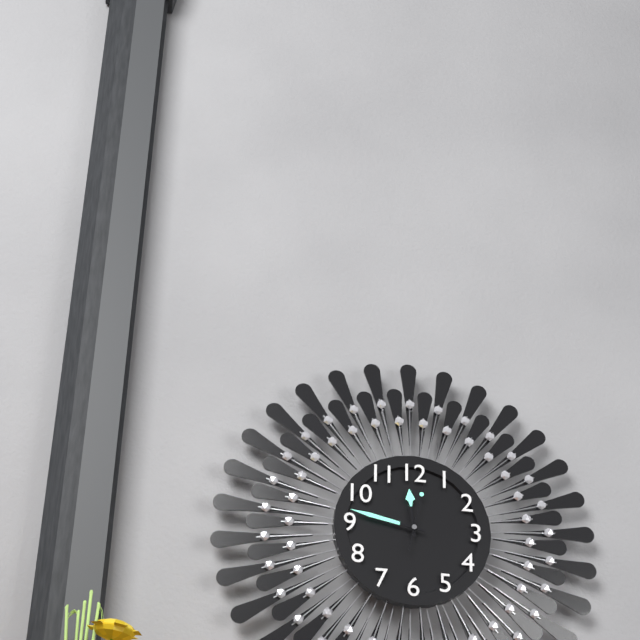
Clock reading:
{"hour": 11, "minute": 47, "second": 2}
